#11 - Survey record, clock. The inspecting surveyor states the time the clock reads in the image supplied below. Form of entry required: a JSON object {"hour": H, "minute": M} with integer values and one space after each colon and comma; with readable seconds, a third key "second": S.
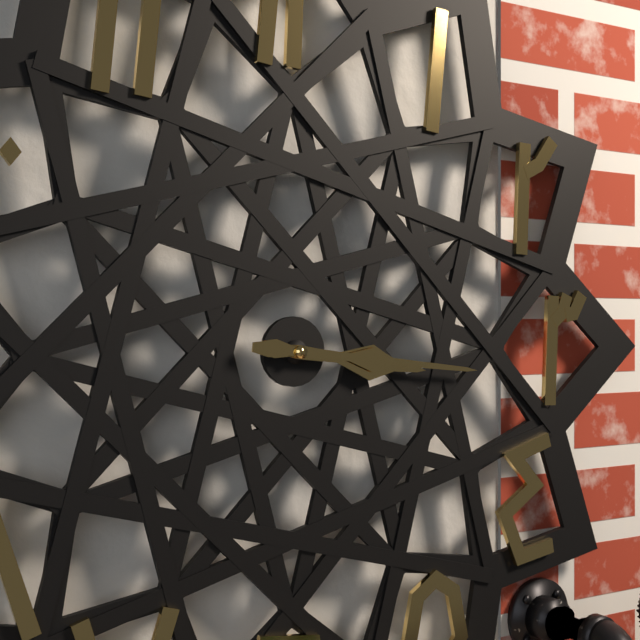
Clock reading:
{"hour": 3, "minute": 16}
